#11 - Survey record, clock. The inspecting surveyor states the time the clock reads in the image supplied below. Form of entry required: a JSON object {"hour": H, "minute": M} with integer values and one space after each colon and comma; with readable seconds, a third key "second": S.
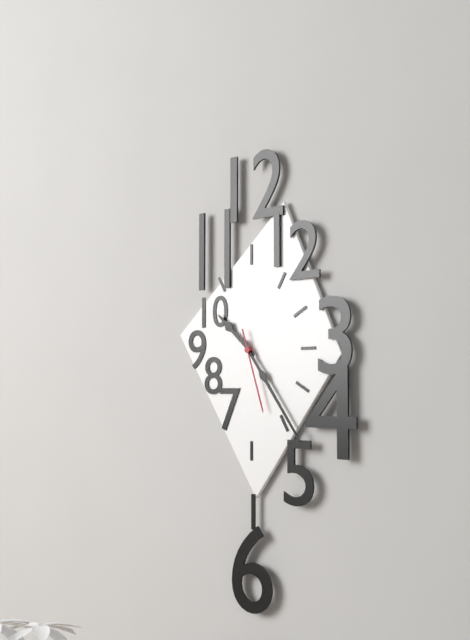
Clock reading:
{"hour": 10, "minute": 24, "second": 27}
